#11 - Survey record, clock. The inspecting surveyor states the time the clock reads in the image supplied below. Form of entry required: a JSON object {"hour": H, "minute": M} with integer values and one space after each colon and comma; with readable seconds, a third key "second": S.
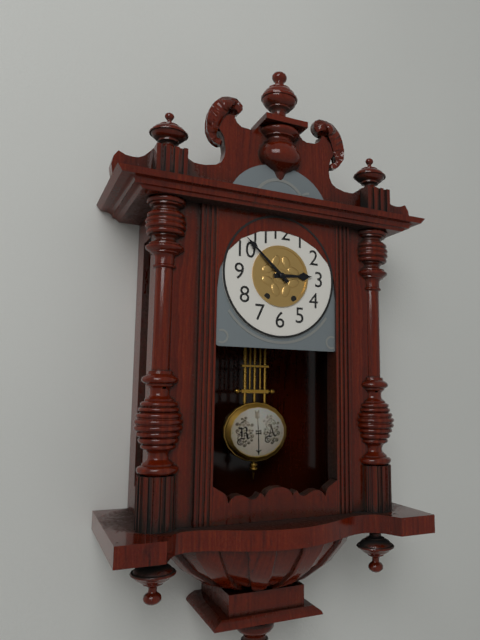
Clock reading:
{"hour": 2, "minute": 52}
